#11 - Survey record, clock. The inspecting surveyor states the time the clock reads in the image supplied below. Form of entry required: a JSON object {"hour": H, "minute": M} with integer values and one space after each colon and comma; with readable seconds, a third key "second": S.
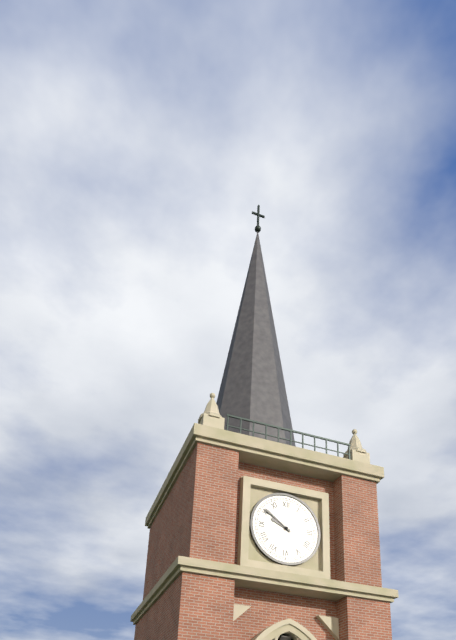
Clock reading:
{"hour": 9, "minute": 51}
